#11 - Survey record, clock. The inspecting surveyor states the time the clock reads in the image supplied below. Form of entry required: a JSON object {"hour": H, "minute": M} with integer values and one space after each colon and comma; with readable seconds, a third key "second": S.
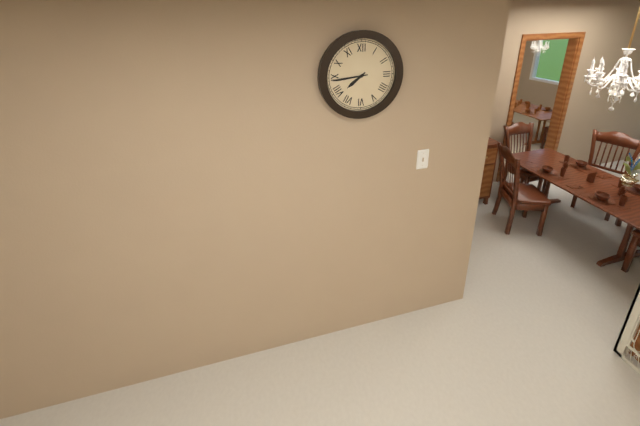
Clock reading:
{"hour": 7, "minute": 44}
